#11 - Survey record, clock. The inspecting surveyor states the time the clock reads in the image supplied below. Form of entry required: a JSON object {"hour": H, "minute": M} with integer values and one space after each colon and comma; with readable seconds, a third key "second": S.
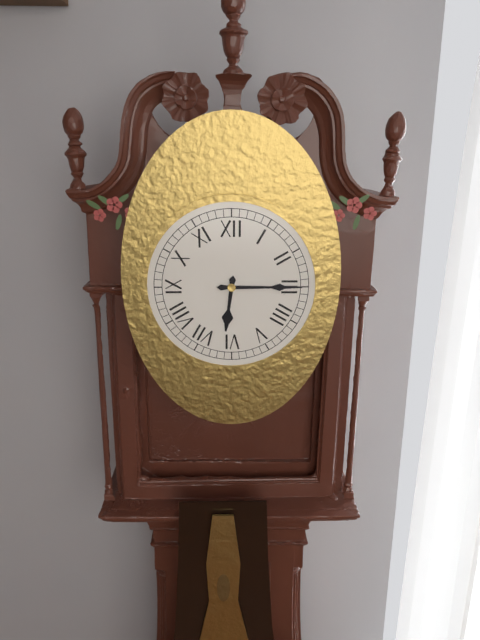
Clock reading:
{"hour": 6, "minute": 15}
